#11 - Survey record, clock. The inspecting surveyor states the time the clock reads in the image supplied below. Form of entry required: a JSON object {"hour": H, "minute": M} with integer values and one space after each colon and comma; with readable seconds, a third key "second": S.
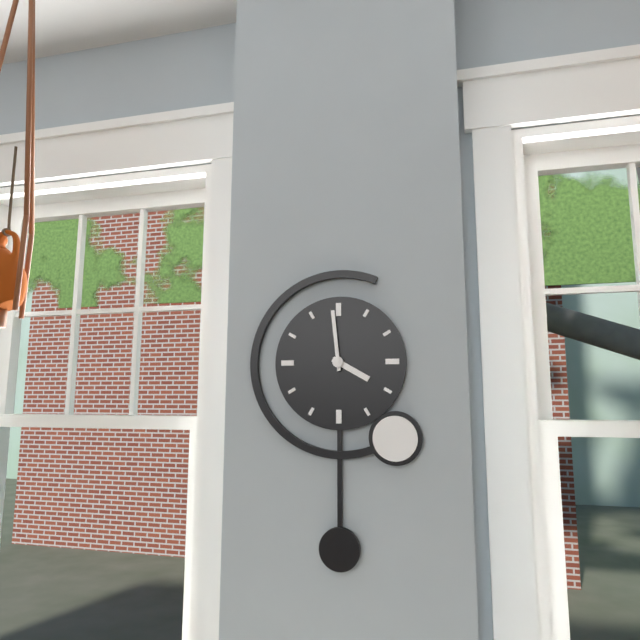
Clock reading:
{"hour": 3, "minute": 59}
